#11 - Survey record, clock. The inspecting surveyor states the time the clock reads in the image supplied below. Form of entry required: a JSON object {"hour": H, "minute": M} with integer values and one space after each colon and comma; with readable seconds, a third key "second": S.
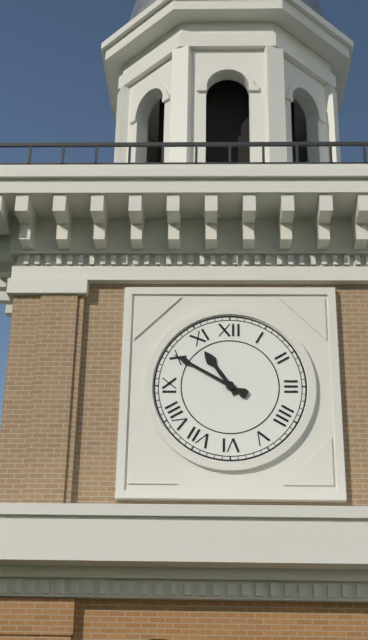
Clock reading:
{"hour": 10, "minute": 50}
